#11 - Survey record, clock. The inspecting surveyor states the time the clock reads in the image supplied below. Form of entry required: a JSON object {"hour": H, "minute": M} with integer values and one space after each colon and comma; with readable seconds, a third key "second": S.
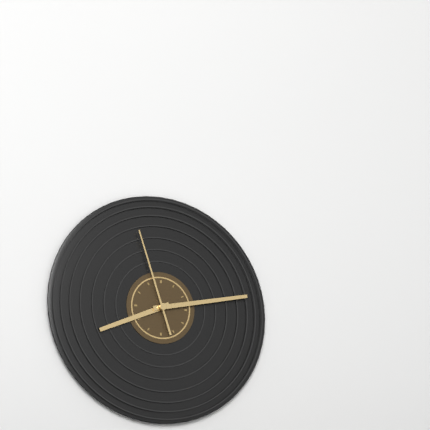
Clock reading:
{"hour": 8, "minute": 13, "second": 57}
